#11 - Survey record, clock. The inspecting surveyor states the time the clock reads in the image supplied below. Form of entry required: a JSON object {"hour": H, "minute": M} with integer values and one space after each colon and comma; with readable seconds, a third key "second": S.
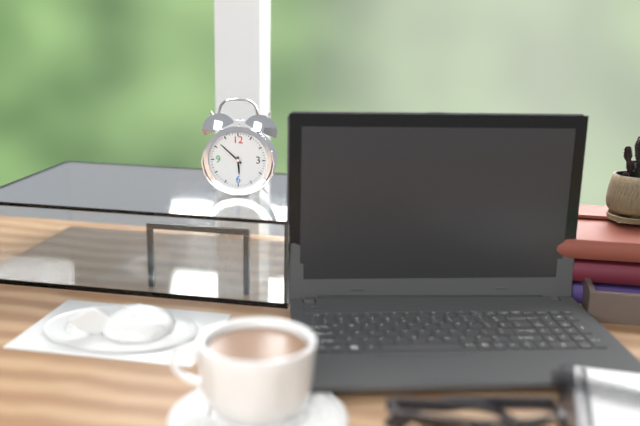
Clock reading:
{"hour": 5, "minute": 52}
